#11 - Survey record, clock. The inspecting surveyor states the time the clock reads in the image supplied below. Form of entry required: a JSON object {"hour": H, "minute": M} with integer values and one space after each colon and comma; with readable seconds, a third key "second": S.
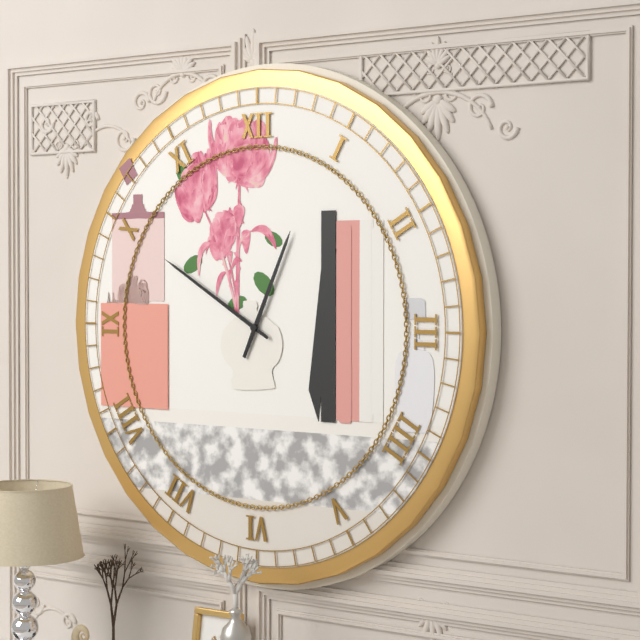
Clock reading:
{"hour": 12, "minute": 50}
